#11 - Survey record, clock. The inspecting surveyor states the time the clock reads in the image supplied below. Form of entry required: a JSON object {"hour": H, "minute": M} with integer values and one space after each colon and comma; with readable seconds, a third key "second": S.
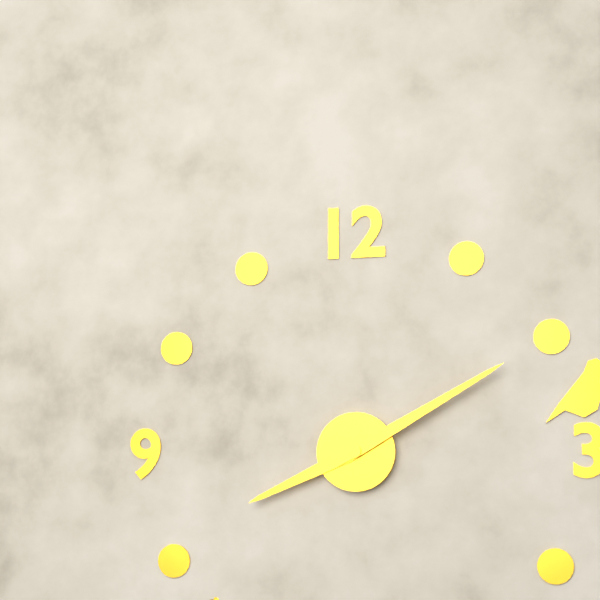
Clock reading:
{"hour": 8, "minute": 10}
